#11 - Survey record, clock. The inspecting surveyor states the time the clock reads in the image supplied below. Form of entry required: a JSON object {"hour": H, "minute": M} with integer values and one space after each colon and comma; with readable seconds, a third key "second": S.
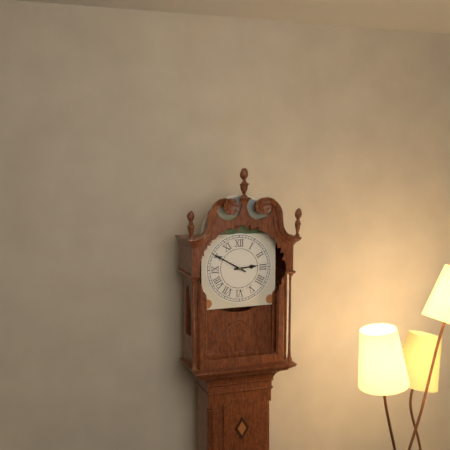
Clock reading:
{"hour": 2, "minute": 50}
